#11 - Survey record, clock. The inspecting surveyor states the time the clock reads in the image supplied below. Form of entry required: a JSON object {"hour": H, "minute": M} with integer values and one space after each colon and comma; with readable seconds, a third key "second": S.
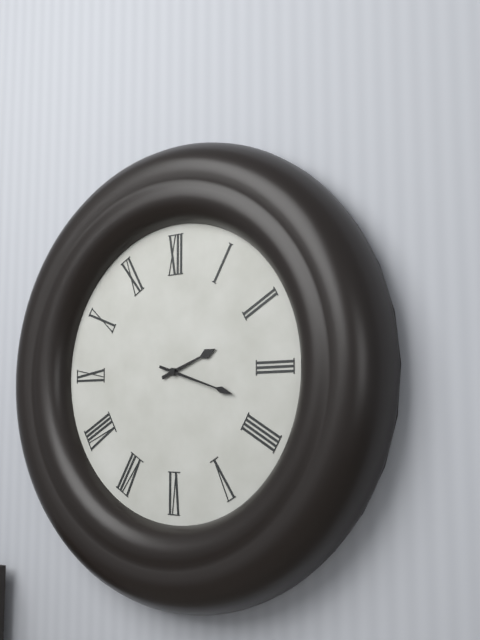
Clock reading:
{"hour": 2, "minute": 18}
